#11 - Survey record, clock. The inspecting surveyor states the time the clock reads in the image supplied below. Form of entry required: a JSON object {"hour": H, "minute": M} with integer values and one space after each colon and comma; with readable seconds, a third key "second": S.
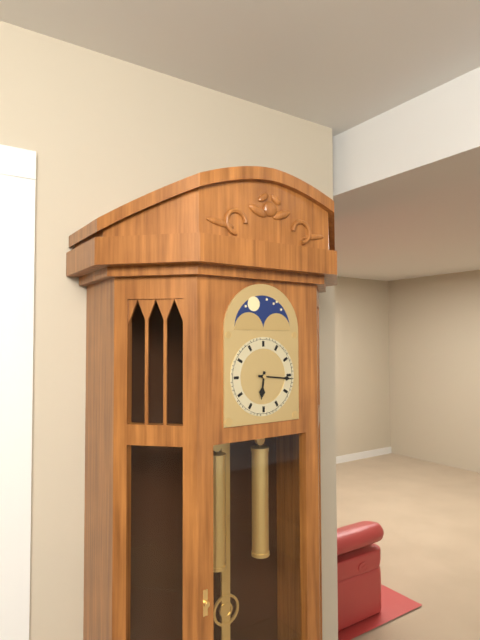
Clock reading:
{"hour": 6, "minute": 16}
